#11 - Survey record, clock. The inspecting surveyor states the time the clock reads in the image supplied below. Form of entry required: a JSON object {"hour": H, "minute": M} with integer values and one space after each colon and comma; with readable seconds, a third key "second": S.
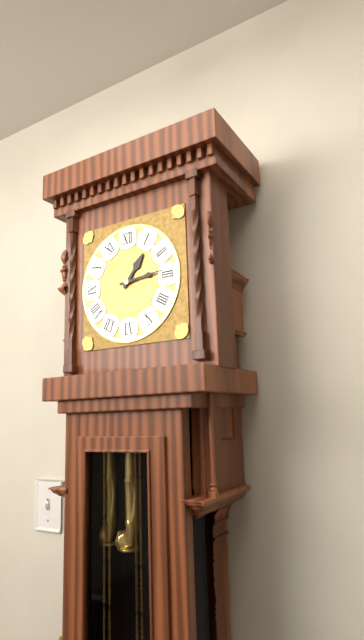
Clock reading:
{"hour": 1, "minute": 14}
